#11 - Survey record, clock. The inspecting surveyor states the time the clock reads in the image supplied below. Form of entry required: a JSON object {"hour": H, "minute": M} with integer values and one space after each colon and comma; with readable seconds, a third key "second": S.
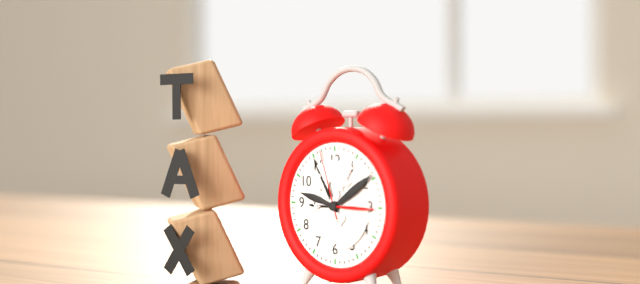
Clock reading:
{"hour": 8, "minute": 55, "second": 57}
